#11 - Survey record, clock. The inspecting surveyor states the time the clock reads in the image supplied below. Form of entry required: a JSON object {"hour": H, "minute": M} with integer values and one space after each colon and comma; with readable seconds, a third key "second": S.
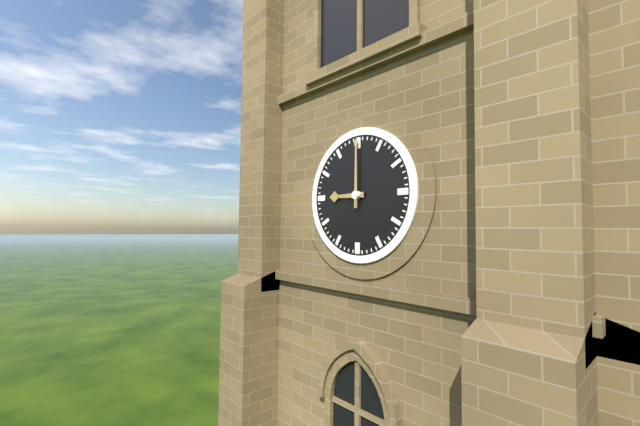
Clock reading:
{"hour": 9, "minute": 0}
